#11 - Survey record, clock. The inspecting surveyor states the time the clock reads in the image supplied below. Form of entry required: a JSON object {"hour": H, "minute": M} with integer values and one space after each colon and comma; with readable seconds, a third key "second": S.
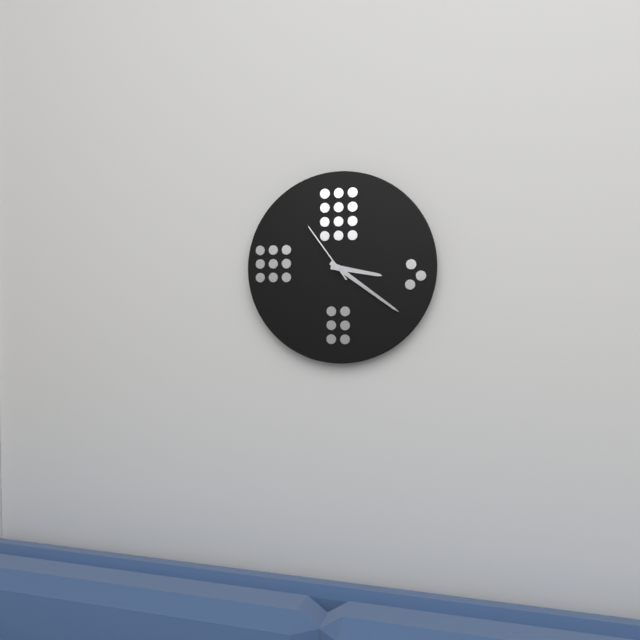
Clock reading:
{"hour": 3, "minute": 21, "second": 54}
